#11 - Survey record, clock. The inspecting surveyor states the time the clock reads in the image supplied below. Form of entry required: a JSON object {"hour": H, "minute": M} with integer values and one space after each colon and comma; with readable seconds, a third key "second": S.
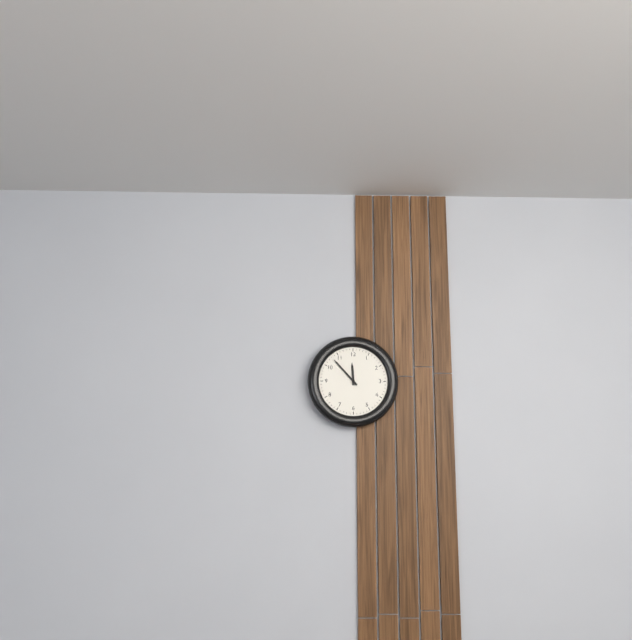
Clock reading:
{"hour": 11, "minute": 53}
